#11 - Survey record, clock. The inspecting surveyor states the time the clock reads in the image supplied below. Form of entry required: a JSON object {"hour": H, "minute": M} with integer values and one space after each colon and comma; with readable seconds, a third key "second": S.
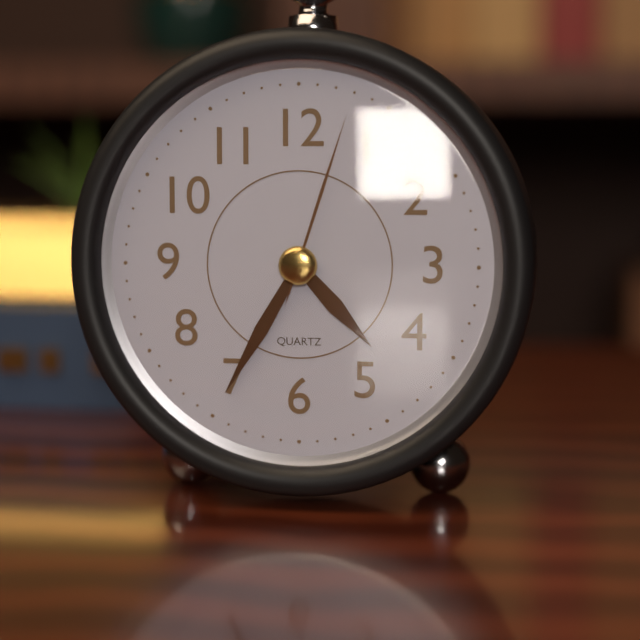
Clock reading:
{"hour": 4, "minute": 35, "second": 3}
